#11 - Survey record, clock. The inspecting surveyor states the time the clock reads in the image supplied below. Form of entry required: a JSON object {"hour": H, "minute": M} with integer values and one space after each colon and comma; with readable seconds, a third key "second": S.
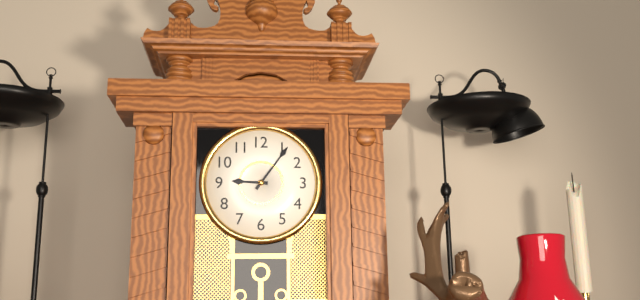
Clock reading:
{"hour": 9, "minute": 6}
